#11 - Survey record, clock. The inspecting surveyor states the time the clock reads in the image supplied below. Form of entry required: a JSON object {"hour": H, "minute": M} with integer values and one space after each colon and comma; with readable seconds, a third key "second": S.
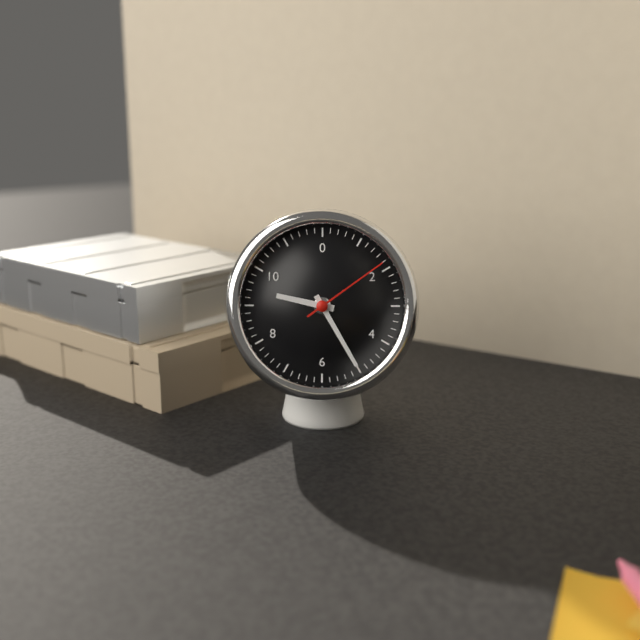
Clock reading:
{"hour": 9, "minute": 25, "second": 9}
